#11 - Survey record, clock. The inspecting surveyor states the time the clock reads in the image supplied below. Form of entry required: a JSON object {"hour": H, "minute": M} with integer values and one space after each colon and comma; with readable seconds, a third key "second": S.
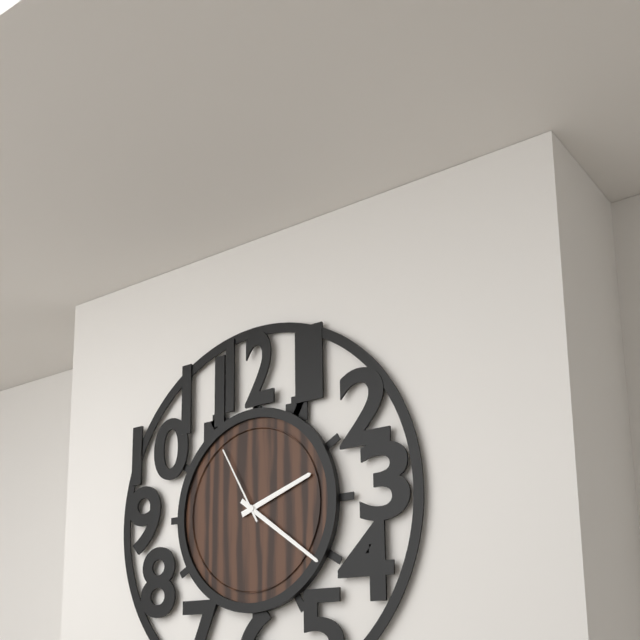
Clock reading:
{"hour": 2, "minute": 21, "second": 55}
